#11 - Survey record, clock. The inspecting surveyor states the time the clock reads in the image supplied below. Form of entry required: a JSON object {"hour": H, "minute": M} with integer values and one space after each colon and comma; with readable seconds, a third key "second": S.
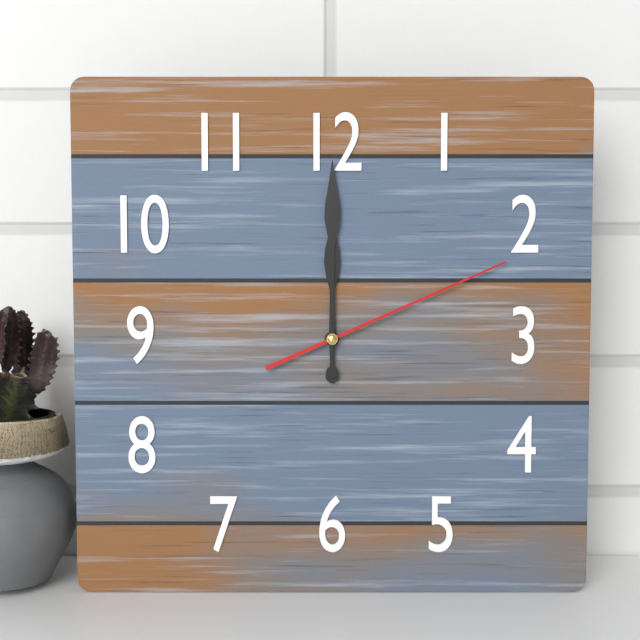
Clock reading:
{"hour": 12, "minute": 0, "second": 11}
